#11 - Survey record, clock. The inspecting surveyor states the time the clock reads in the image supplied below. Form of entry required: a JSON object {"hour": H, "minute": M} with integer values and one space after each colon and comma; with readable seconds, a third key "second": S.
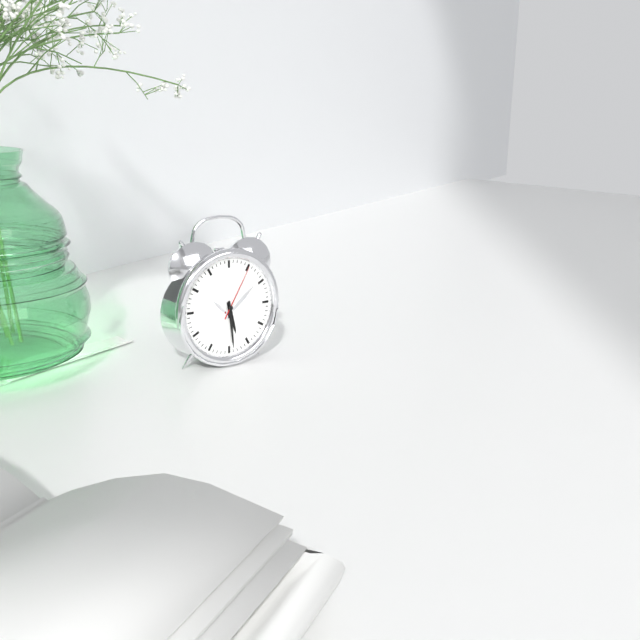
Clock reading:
{"hour": 5, "minute": 29, "second": 5}
